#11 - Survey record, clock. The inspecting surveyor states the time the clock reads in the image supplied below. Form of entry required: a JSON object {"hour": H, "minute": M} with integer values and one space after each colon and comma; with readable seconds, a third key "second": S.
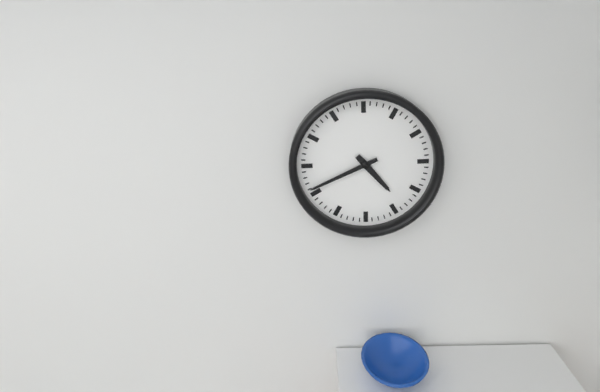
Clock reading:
{"hour": 4, "minute": 41}
